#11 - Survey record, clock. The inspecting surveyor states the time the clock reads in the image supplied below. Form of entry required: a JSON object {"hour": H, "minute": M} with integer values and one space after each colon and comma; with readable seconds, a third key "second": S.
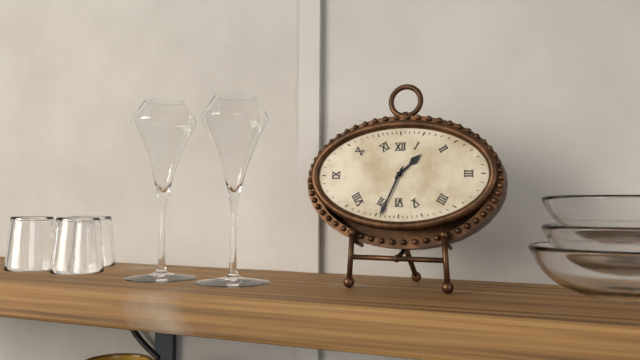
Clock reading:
{"hour": 1, "minute": 34}
